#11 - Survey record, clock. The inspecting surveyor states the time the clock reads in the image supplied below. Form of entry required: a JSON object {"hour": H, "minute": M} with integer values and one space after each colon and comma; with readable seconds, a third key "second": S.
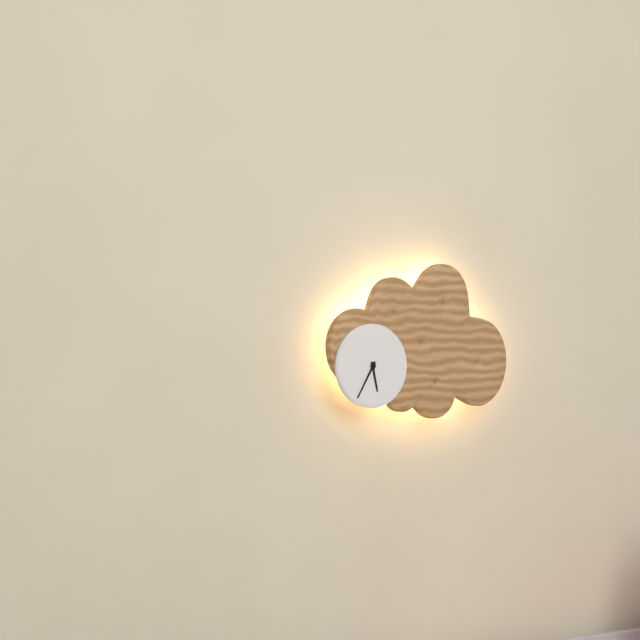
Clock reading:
{"hour": 5, "minute": 35}
